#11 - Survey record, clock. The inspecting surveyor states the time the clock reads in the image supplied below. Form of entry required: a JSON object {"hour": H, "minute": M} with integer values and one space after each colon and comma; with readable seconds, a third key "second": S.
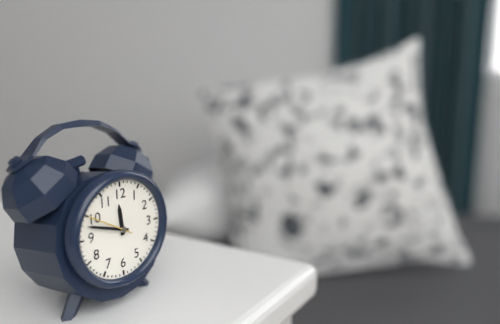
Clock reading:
{"hour": 11, "minute": 48}
